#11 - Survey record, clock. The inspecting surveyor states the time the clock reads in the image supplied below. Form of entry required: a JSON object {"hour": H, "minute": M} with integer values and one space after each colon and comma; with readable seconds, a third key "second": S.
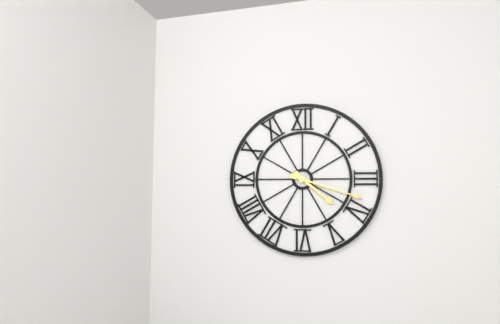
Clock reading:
{"hour": 4, "minute": 18}
